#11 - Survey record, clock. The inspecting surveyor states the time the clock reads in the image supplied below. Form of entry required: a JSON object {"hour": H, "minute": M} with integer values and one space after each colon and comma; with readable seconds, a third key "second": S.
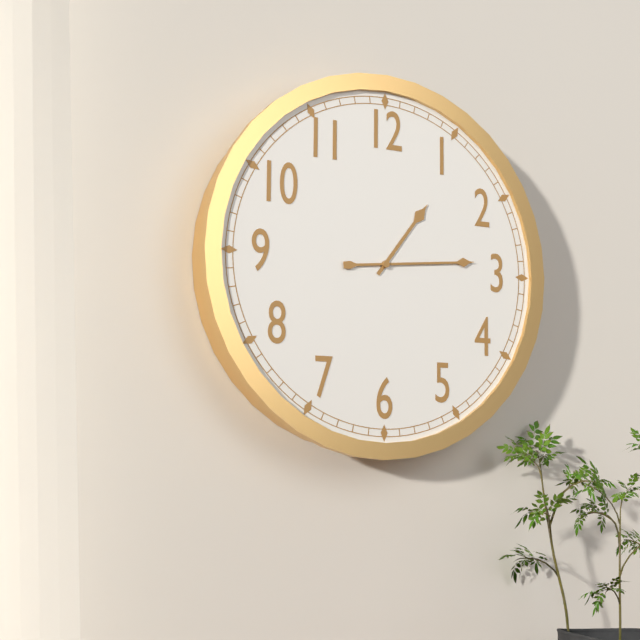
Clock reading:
{"hour": 1, "minute": 14}
